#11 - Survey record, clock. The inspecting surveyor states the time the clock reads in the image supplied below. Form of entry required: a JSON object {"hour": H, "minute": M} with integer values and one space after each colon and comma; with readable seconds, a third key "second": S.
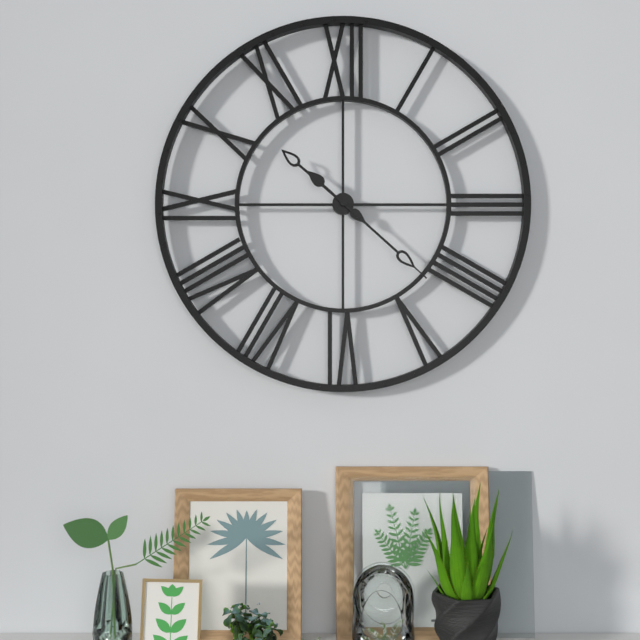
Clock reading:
{"hour": 10, "minute": 22}
